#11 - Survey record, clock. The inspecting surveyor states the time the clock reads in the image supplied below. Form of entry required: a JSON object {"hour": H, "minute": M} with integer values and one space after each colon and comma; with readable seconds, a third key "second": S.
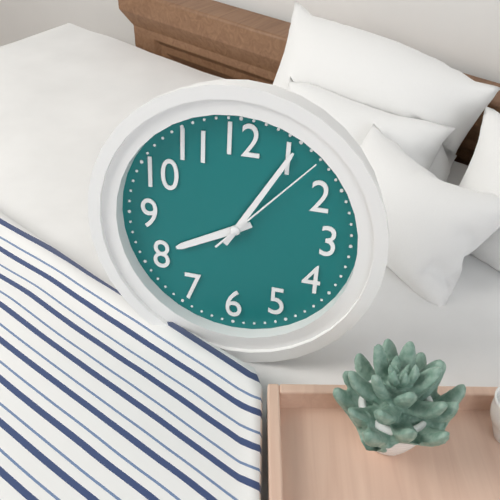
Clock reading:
{"hour": 8, "minute": 5, "second": 7}
